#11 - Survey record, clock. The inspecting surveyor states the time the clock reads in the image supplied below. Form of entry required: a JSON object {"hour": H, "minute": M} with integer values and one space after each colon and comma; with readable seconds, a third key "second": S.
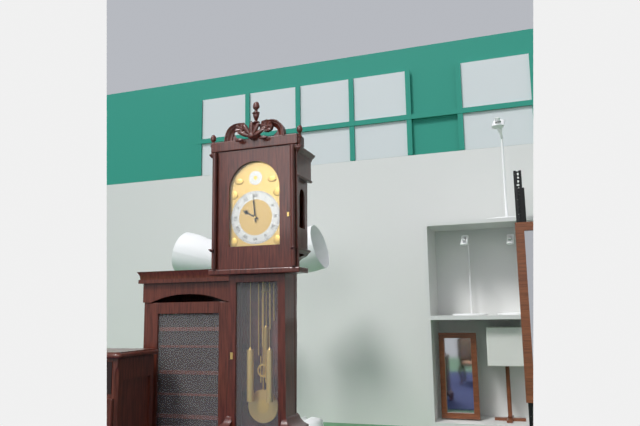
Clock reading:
{"hour": 9, "minute": 59}
